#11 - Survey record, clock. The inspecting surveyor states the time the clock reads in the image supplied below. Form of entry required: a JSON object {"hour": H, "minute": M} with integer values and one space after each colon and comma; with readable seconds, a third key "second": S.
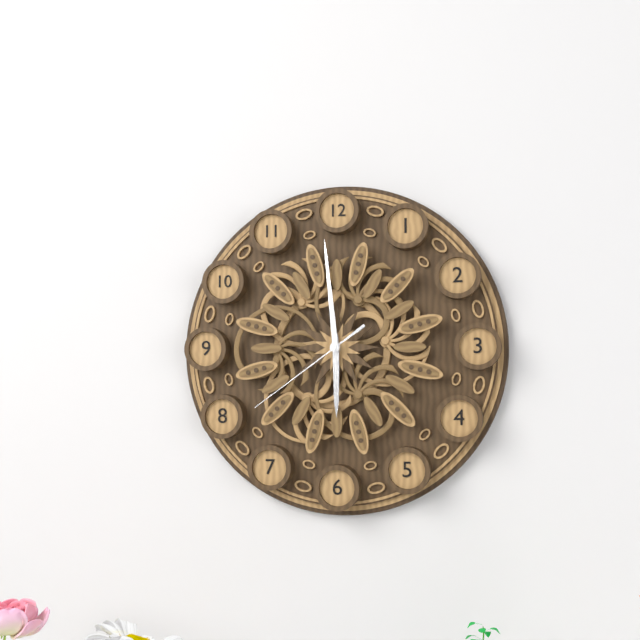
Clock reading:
{"hour": 5, "minute": 59, "second": 39}
